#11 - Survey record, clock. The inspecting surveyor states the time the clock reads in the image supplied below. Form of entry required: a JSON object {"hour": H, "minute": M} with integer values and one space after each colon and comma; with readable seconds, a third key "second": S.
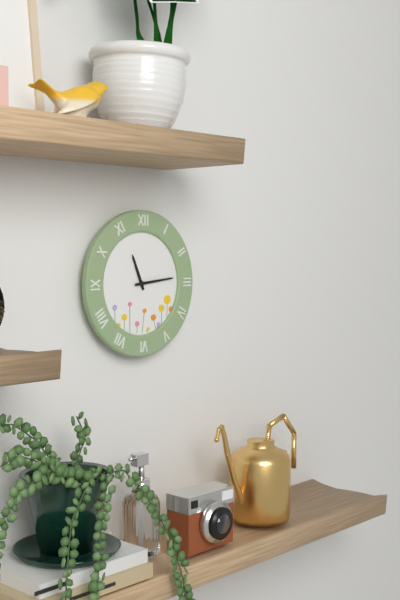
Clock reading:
{"hour": 11, "minute": 14}
